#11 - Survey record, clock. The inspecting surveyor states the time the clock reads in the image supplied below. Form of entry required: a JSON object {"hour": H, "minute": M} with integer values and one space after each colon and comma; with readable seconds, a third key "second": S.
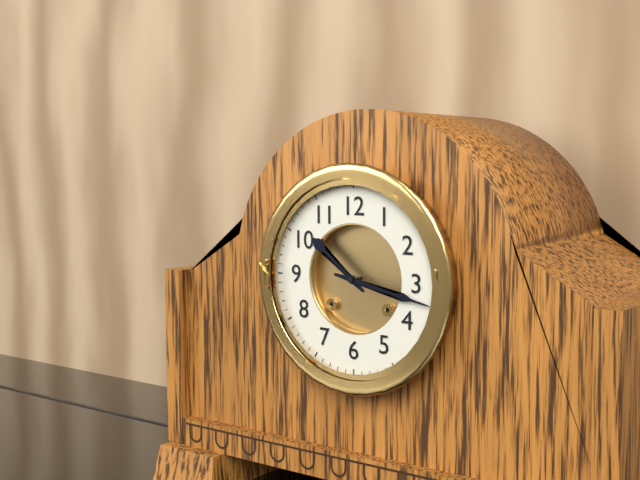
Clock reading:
{"hour": 10, "minute": 17}
